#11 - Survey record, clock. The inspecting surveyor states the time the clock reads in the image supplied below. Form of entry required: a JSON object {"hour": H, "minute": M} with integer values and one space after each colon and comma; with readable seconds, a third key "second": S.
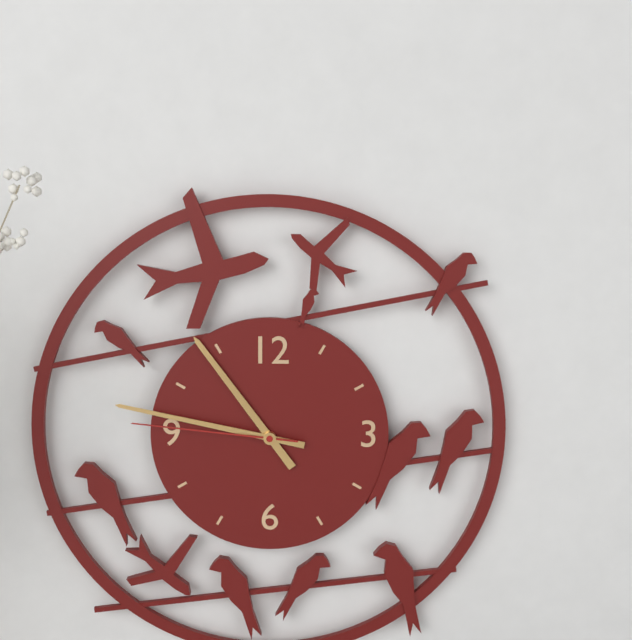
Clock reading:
{"hour": 10, "minute": 47, "second": 46}
